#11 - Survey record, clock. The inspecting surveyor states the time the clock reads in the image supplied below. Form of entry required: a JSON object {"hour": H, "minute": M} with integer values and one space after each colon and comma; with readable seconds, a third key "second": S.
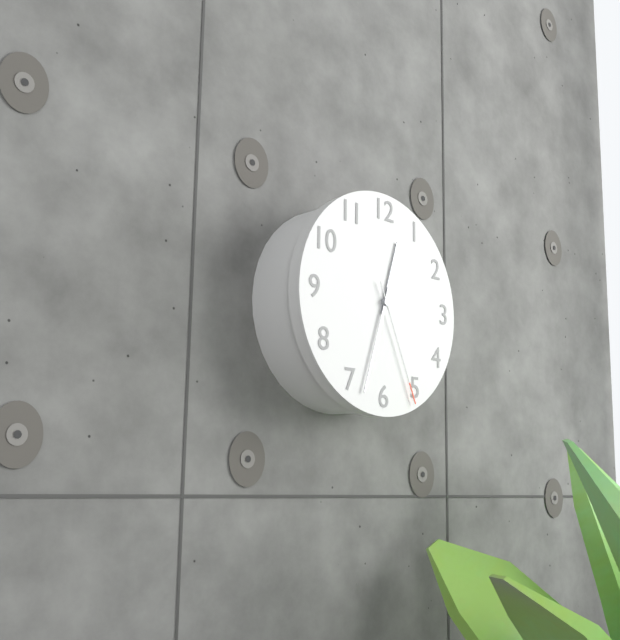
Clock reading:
{"hour": 12, "minute": 33, "second": 26}
